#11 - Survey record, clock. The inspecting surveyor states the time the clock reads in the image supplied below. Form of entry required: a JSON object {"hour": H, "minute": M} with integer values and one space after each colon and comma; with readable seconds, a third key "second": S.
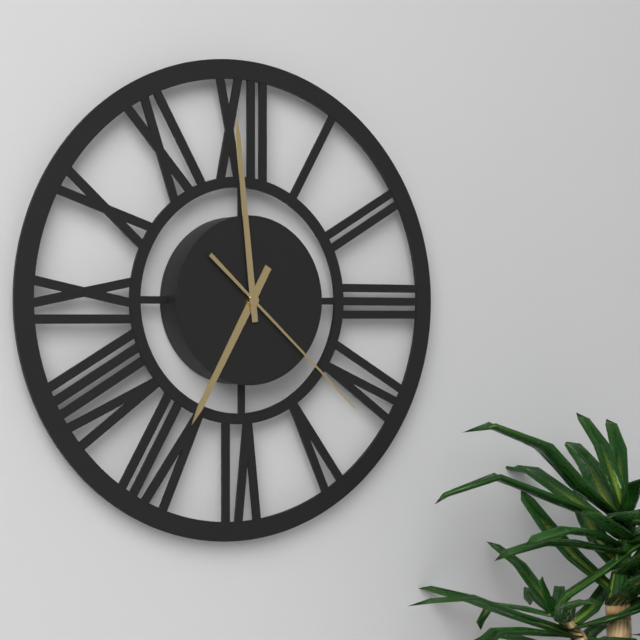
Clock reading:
{"hour": 6, "minute": 59, "second": 22}
